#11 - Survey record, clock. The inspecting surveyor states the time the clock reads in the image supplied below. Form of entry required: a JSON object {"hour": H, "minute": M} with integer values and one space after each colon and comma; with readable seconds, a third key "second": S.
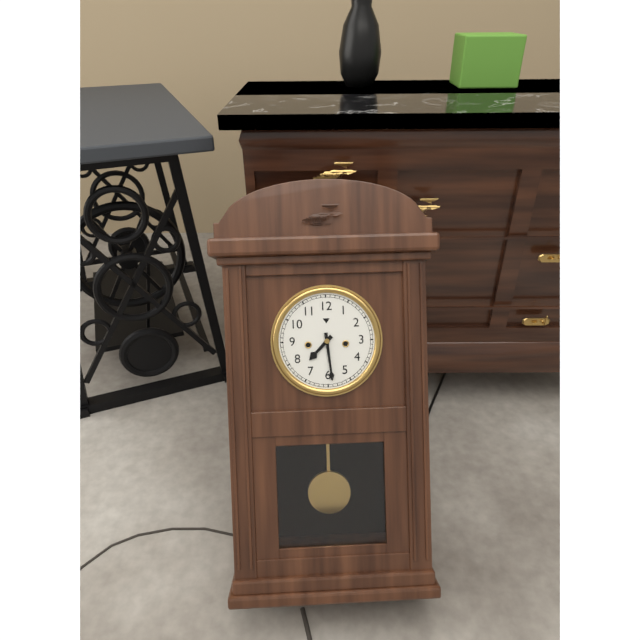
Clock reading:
{"hour": 7, "minute": 29}
